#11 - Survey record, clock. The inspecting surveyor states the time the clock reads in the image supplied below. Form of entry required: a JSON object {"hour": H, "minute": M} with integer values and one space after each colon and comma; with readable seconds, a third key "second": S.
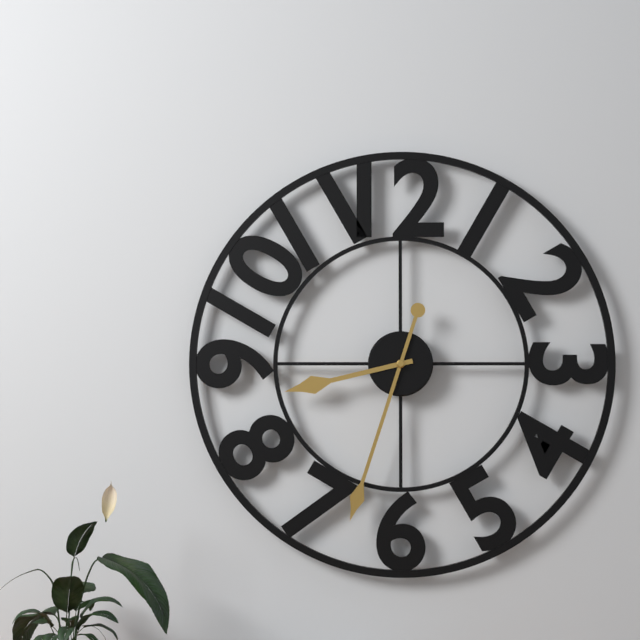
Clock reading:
{"hour": 8, "minute": 33}
